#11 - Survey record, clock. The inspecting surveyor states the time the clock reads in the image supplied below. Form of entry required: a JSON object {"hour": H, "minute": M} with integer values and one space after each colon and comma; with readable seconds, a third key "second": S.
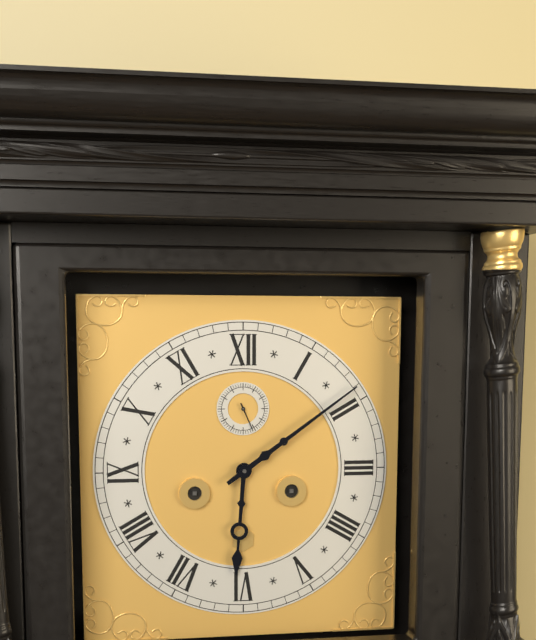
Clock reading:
{"hour": 6, "minute": 9}
